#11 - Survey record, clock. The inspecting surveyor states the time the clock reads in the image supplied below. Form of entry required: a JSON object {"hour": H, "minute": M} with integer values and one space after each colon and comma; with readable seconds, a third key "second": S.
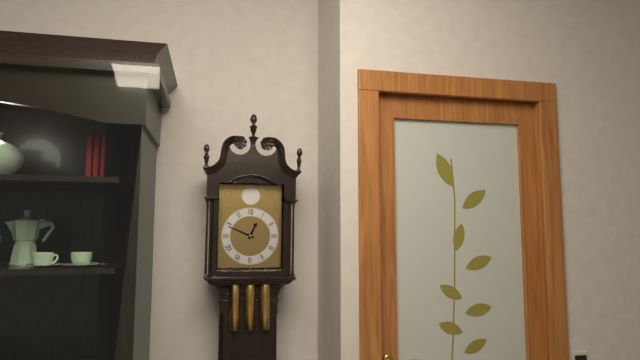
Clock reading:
{"hour": 12, "minute": 49}
